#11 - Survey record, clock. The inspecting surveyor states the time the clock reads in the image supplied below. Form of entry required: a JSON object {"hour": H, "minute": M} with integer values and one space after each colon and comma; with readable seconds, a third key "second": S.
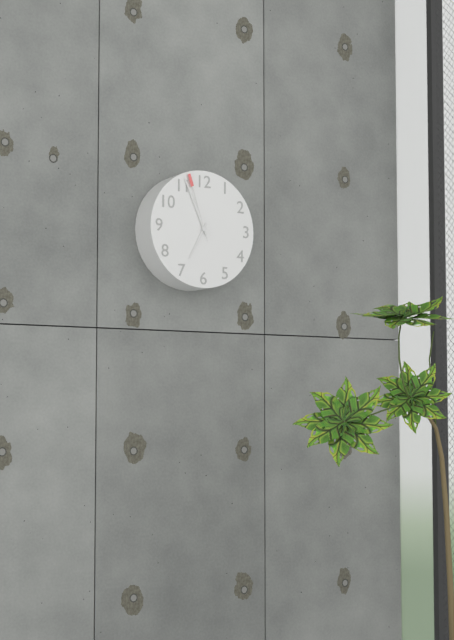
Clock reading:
{"hour": 6, "minute": 56, "second": 57}
